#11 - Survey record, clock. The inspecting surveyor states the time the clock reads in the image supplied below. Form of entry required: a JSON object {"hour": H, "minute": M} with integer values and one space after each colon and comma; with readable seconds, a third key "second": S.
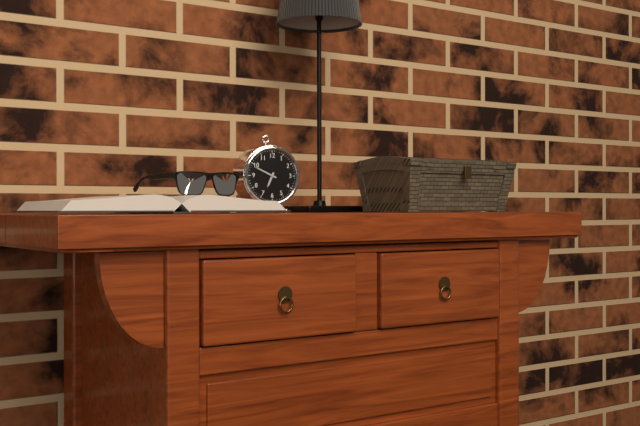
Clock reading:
{"hour": 6, "minute": 49}
